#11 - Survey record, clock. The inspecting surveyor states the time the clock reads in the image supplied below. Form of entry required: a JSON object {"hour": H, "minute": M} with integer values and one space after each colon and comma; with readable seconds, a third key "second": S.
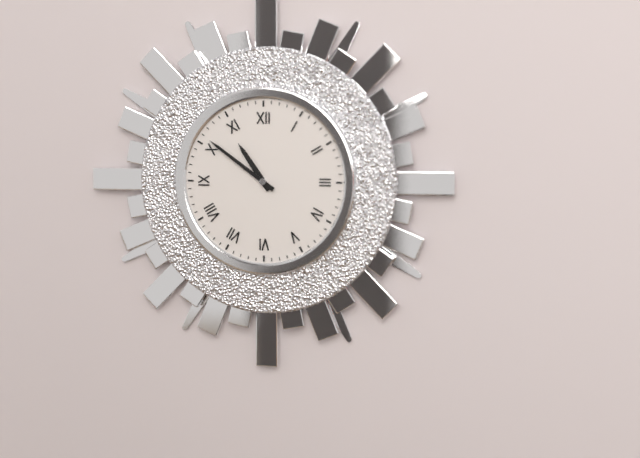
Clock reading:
{"hour": 10, "minute": 51}
